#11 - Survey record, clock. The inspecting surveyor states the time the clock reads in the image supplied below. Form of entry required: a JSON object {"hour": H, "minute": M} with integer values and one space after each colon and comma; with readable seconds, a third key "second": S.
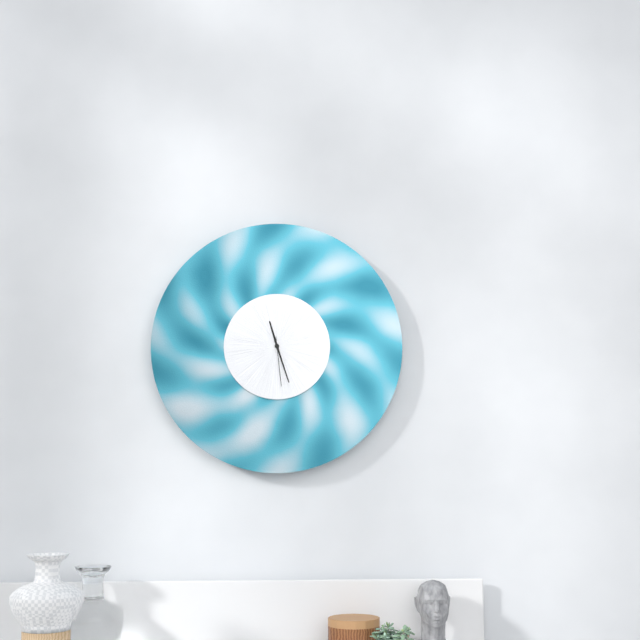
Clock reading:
{"hour": 11, "minute": 27, "second": 29}
